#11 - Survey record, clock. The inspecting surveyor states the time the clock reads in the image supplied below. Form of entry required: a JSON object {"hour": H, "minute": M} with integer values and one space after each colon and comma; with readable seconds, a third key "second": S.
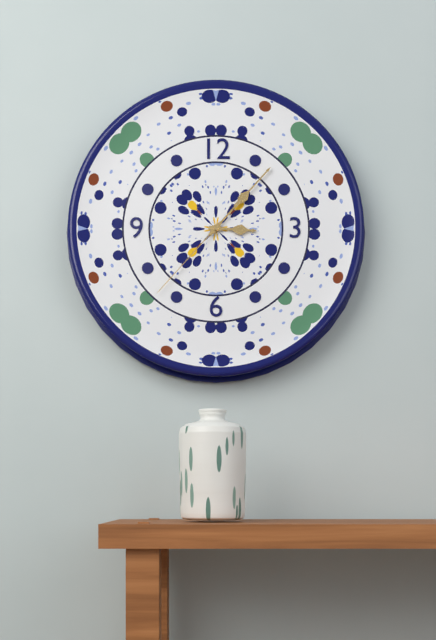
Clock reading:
{"hour": 3, "minute": 7, "second": 37}
